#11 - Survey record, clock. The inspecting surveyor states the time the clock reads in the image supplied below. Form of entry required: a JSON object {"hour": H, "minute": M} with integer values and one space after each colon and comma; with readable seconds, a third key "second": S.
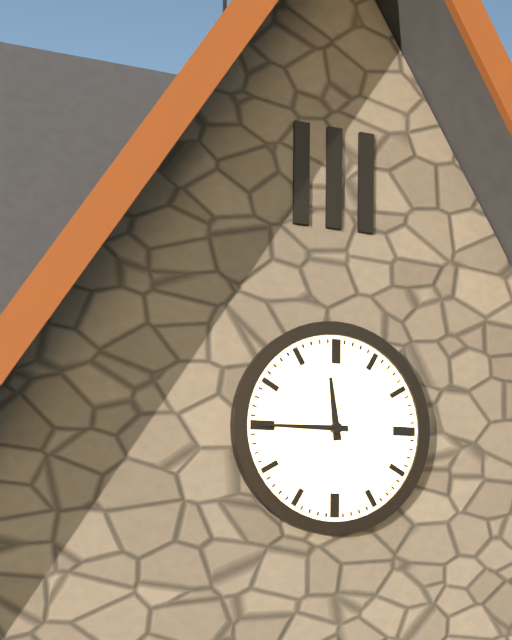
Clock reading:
{"hour": 11, "minute": 45}
